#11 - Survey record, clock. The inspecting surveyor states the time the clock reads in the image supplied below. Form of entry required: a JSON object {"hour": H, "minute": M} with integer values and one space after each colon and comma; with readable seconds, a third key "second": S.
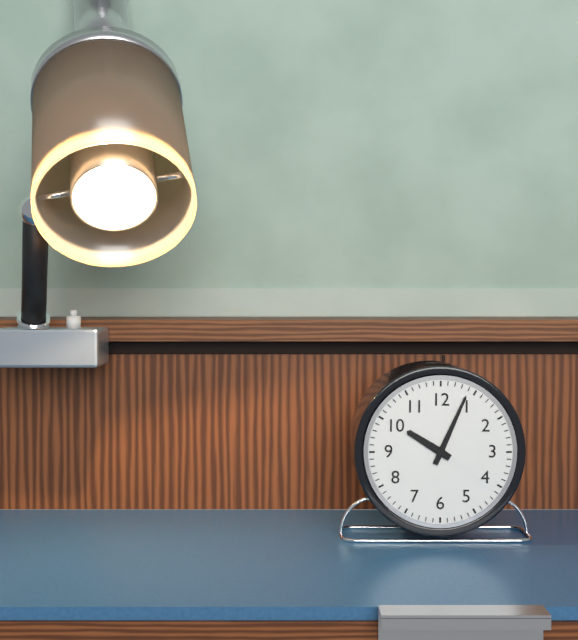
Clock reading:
{"hour": 10, "minute": 4}
